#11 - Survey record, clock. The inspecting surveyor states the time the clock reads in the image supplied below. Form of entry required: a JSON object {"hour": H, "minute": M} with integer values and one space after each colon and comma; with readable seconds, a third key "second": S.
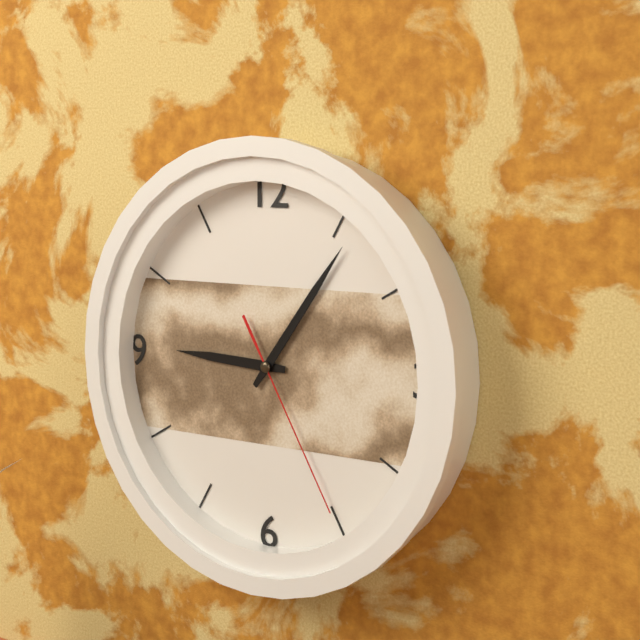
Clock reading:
{"hour": 9, "minute": 6, "second": 25}
